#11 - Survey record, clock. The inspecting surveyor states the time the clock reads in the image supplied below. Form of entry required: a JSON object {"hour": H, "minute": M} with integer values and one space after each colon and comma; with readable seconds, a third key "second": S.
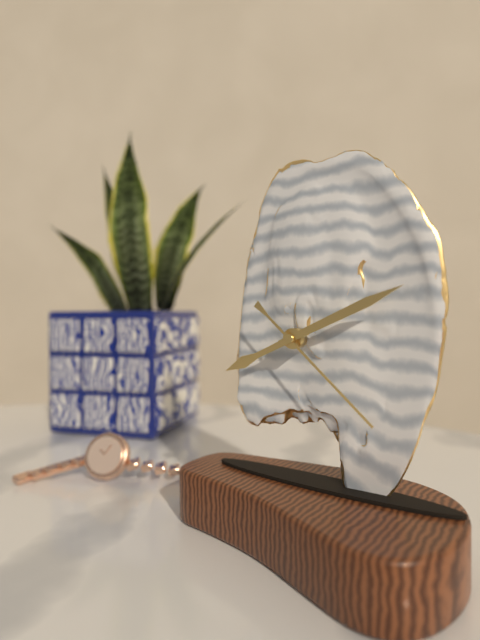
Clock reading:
{"hour": 8, "minute": 11, "second": 22}
